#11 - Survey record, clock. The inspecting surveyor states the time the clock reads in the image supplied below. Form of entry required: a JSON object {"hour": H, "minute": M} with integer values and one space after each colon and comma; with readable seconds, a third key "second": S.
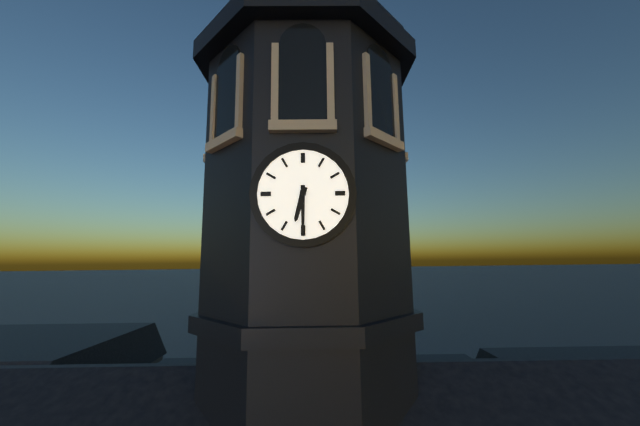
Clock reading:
{"hour": 6, "minute": 30}
